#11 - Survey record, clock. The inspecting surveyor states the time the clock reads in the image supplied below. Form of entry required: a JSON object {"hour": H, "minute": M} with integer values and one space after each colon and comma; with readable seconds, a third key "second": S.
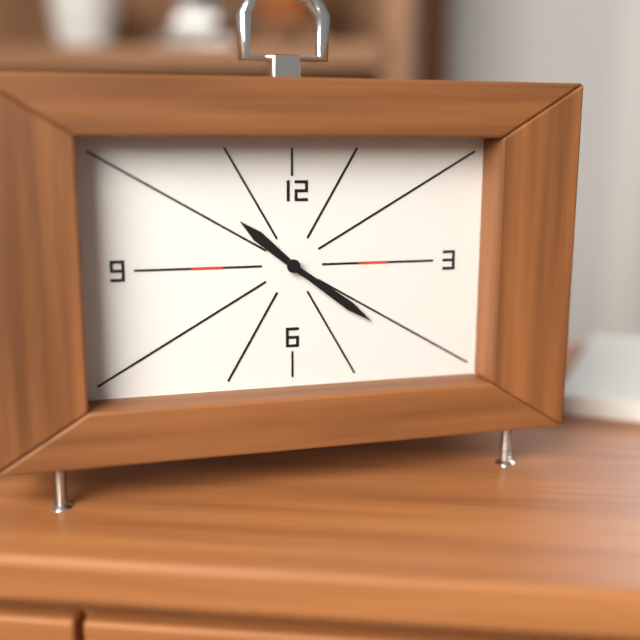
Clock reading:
{"hour": 10, "minute": 21}
